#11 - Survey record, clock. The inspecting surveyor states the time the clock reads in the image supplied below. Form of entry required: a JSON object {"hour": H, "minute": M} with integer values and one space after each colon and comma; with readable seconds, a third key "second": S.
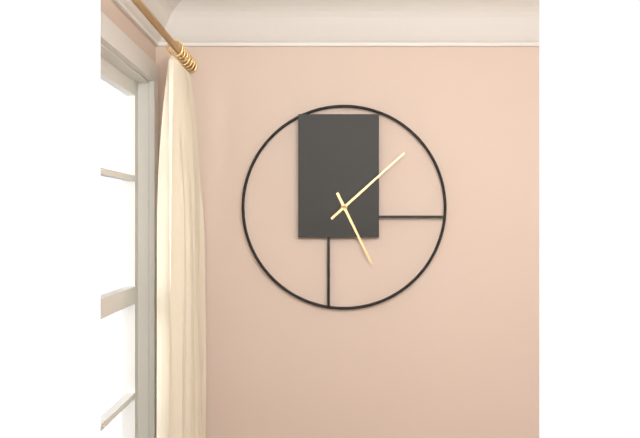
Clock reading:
{"hour": 5, "minute": 8}
